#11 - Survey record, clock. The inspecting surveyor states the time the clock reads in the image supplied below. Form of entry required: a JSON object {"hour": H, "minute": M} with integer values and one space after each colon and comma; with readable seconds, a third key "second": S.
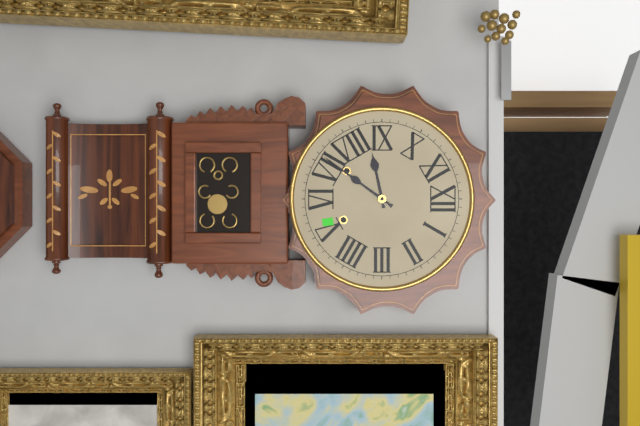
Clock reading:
{"hour": 8, "minute": 36}
